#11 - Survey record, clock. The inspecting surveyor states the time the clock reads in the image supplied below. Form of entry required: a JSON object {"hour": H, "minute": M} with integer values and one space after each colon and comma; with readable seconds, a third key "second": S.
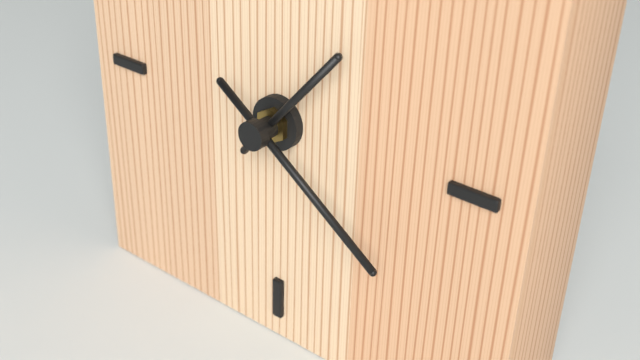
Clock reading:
{"hour": 1, "minute": 21}
